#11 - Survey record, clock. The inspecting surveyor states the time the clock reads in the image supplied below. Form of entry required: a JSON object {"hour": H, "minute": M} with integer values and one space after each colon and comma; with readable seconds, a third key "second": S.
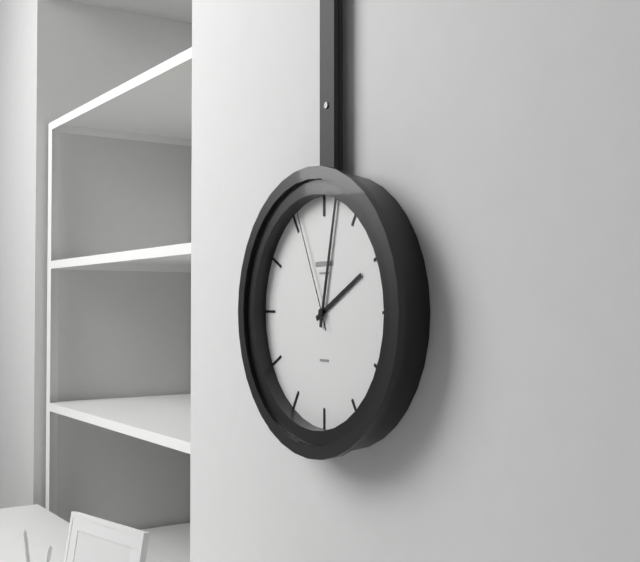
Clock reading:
{"hour": 2, "minute": 2, "second": 56}
